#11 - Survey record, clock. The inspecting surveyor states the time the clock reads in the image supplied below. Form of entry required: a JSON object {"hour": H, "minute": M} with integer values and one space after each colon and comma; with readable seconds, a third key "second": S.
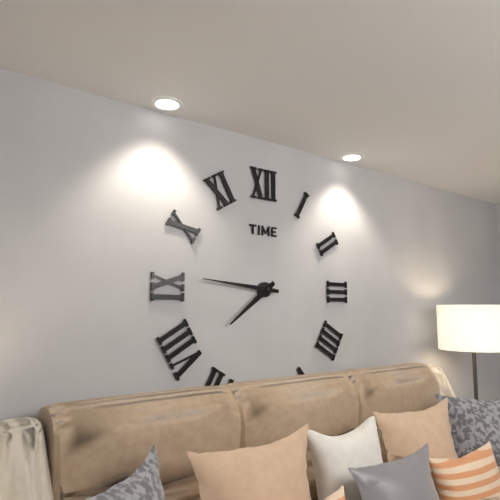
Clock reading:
{"hour": 7, "minute": 46}
